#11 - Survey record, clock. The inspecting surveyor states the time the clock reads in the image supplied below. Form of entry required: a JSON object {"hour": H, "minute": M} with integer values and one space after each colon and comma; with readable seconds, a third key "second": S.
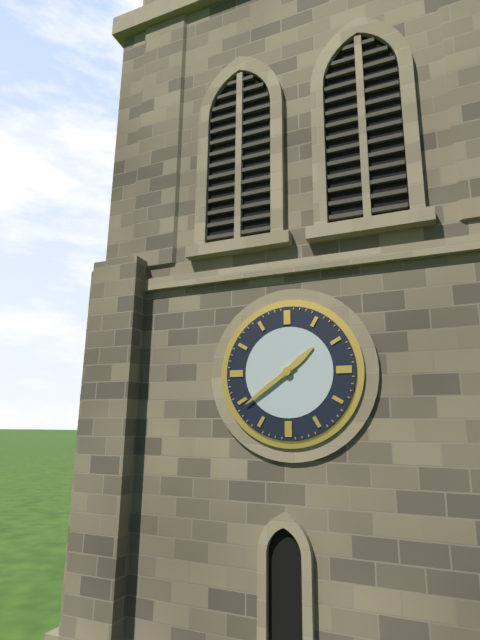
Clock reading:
{"hour": 1, "minute": 39}
